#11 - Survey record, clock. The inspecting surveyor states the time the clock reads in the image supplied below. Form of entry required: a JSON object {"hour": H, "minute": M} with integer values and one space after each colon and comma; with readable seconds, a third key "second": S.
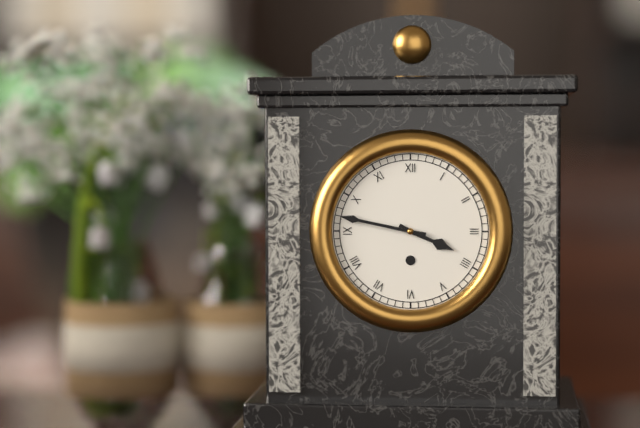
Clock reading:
{"hour": 3, "minute": 47}
